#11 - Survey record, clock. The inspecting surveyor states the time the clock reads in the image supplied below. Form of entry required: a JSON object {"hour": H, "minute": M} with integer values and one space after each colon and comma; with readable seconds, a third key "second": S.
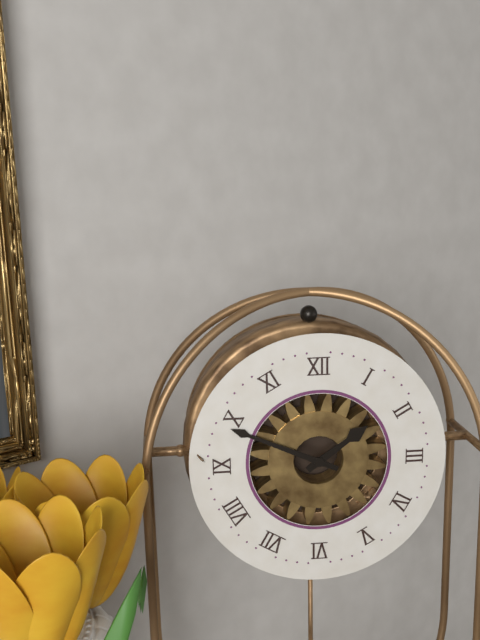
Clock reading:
{"hour": 1, "minute": 49}
